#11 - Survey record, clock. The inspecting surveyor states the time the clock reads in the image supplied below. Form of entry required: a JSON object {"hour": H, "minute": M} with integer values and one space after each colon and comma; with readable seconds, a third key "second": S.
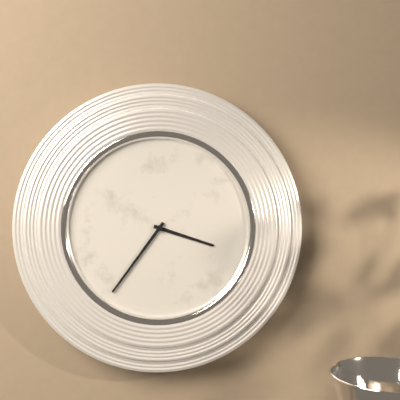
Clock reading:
{"hour": 3, "minute": 36}
